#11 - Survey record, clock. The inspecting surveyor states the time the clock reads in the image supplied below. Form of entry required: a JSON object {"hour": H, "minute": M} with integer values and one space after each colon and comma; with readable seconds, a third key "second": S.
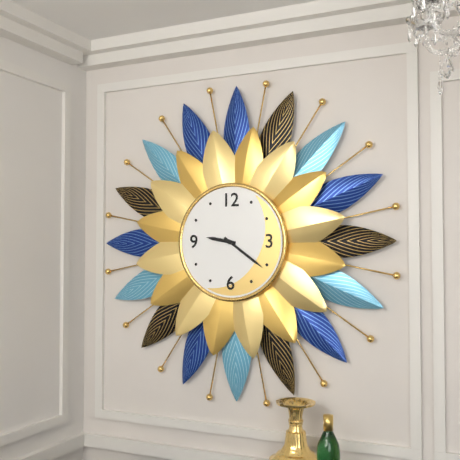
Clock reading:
{"hour": 9, "minute": 21}
